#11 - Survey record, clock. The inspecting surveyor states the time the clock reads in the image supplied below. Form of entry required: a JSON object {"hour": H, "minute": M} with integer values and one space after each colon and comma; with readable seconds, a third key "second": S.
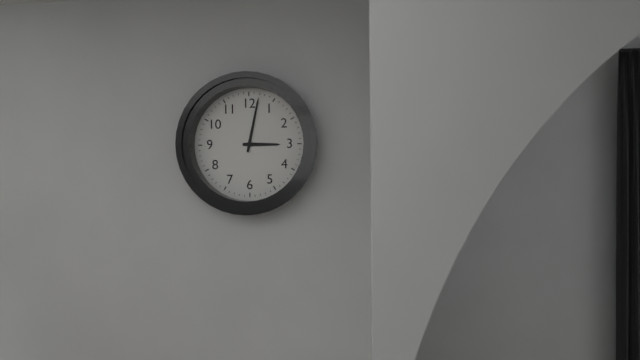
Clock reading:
{"hour": 3, "minute": 2}
